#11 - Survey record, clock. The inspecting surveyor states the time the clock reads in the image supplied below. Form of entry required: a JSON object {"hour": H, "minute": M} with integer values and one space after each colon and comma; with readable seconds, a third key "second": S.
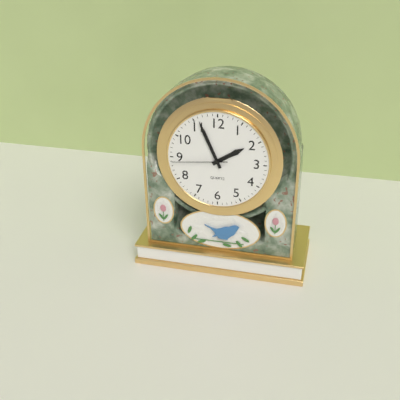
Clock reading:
{"hour": 1, "minute": 56, "second": 44}
